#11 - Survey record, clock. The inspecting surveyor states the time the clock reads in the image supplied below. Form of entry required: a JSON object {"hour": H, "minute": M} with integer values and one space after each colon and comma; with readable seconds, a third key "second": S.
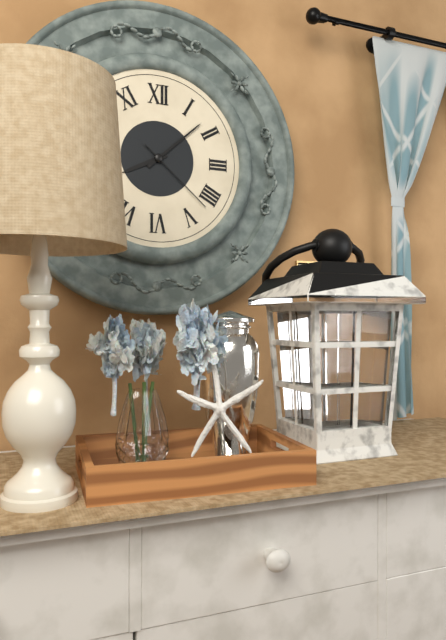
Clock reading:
{"hour": 8, "minute": 8, "second": 22}
